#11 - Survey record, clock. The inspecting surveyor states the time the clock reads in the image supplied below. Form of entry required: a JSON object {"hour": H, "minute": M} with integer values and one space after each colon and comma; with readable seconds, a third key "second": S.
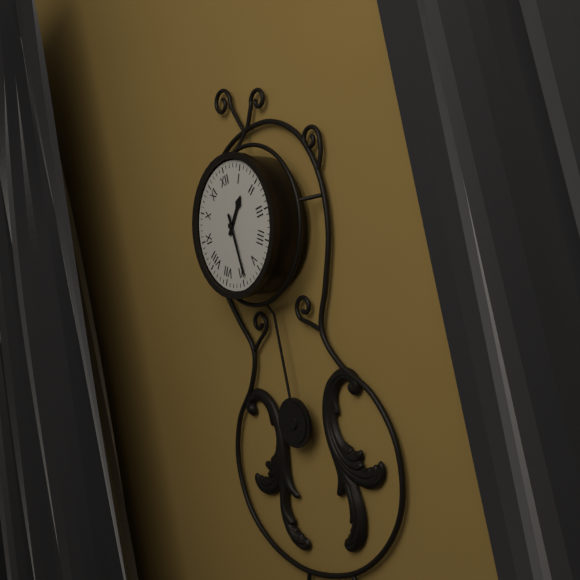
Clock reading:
{"hour": 1, "minute": 29}
